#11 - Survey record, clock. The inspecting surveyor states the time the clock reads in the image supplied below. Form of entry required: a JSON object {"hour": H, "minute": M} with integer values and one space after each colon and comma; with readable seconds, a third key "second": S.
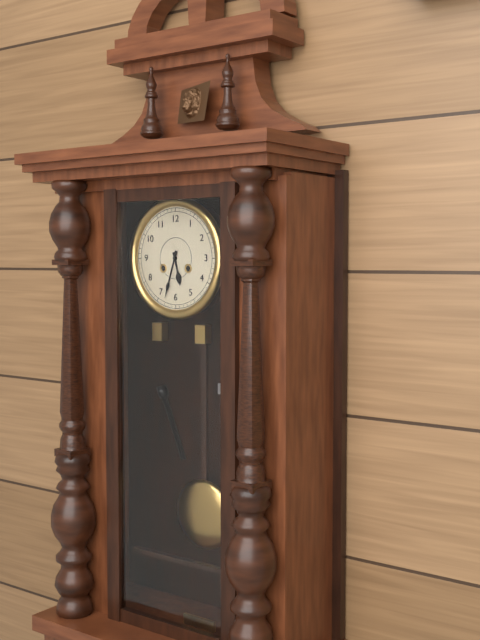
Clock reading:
{"hour": 5, "minute": 33}
